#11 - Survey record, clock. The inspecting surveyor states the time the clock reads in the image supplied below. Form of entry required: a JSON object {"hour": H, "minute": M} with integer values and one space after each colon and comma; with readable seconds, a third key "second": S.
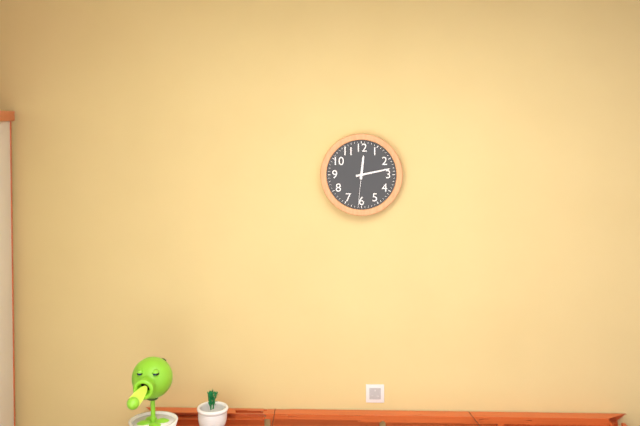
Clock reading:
{"hour": 12, "minute": 13}
